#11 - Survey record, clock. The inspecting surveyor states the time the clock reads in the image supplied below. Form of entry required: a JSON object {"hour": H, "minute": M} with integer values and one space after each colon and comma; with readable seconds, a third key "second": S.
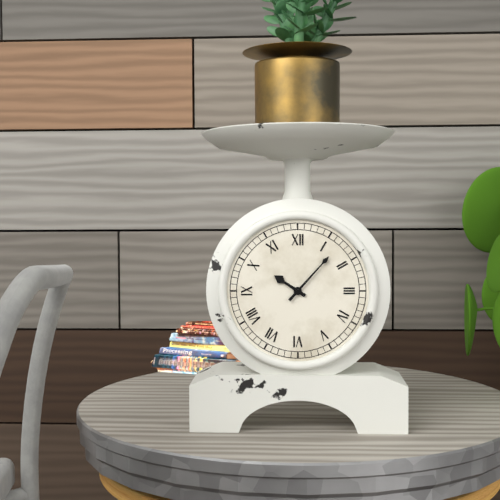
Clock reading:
{"hour": 10, "minute": 7}
